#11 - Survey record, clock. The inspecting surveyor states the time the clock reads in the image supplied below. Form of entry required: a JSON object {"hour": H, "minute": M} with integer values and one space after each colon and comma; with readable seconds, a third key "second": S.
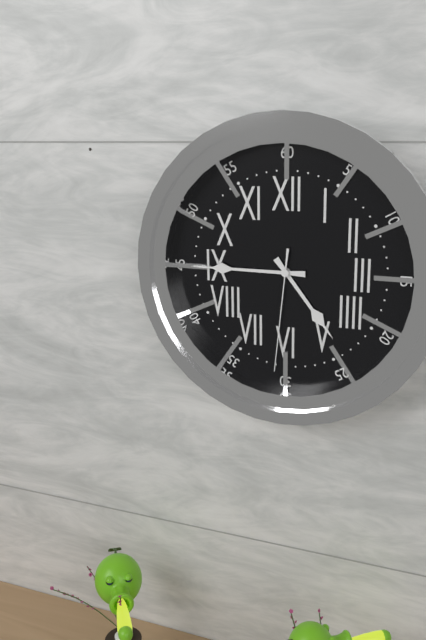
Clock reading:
{"hour": 4, "minute": 45, "second": 31}
